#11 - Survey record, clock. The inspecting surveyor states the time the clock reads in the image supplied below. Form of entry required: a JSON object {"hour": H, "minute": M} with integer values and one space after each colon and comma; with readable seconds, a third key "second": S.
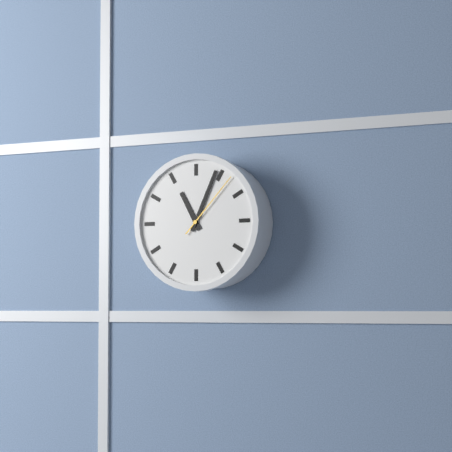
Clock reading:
{"hour": 11, "minute": 4, "second": 7}
